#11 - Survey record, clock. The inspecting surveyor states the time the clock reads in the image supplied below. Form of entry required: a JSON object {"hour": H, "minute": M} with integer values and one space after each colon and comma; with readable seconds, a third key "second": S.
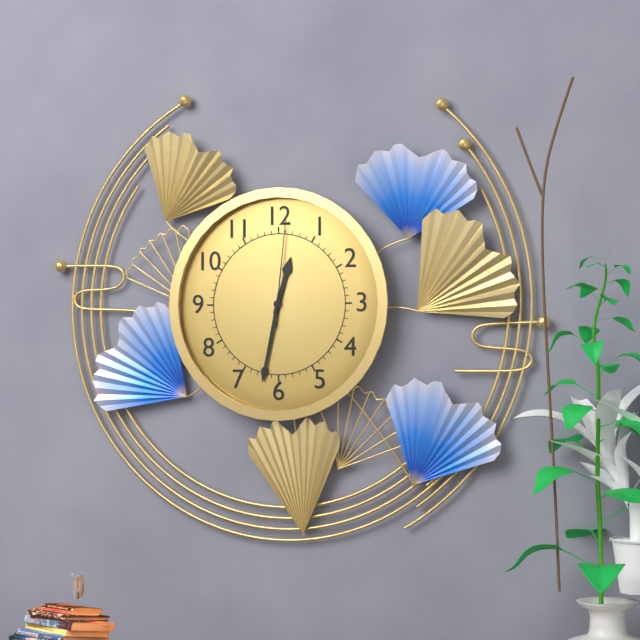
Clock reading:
{"hour": 12, "minute": 32, "second": 1}
